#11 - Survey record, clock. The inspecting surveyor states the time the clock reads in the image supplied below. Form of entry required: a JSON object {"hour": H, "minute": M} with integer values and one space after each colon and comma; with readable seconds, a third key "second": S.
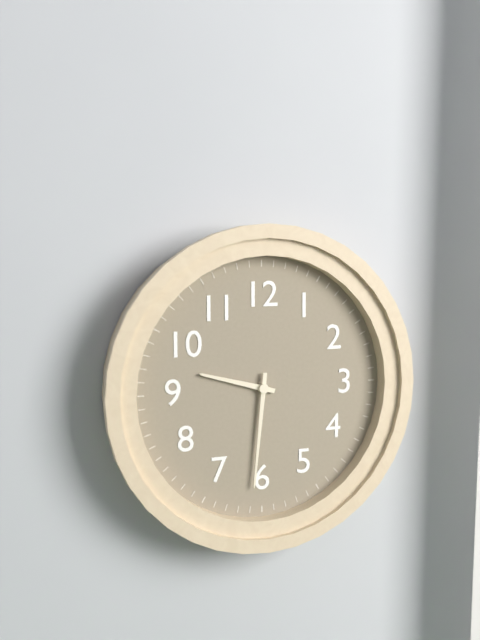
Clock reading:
{"hour": 9, "minute": 31}
